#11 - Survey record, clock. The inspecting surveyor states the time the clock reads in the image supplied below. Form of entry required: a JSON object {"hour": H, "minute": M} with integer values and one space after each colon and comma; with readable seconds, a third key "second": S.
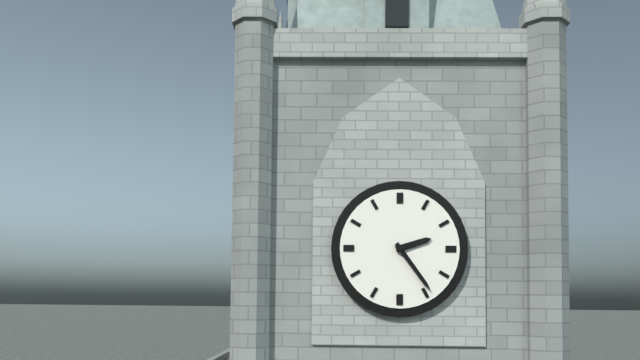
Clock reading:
{"hour": 2, "minute": 24}
